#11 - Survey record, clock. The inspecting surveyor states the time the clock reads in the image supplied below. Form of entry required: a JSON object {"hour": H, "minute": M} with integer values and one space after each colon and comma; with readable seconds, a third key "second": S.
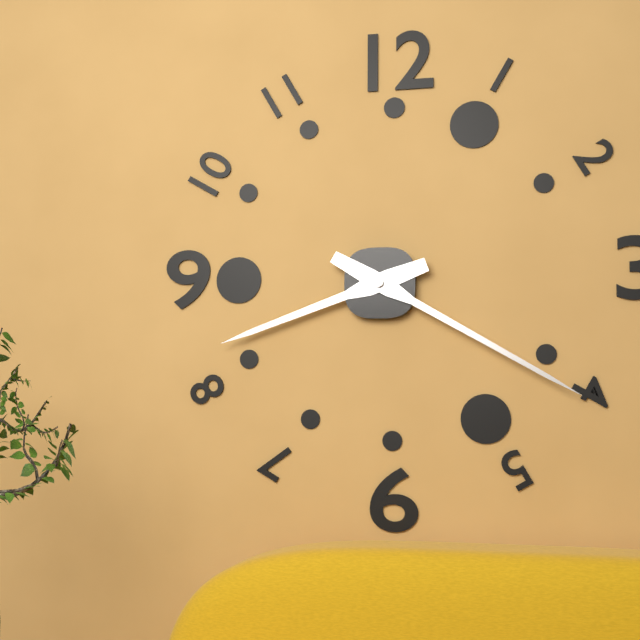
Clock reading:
{"hour": 8, "minute": 20}
